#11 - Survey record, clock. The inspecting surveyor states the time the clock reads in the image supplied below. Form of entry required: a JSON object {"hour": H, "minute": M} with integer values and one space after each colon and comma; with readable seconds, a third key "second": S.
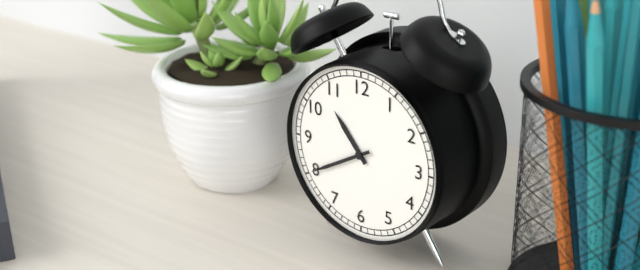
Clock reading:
{"hour": 10, "minute": 40}
